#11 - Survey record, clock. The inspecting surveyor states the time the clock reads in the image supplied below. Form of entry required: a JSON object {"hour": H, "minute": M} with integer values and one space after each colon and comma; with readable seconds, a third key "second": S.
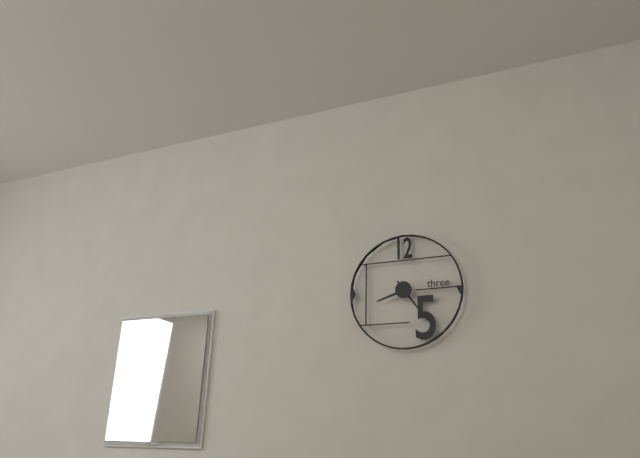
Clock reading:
{"hour": 8, "minute": 24}
